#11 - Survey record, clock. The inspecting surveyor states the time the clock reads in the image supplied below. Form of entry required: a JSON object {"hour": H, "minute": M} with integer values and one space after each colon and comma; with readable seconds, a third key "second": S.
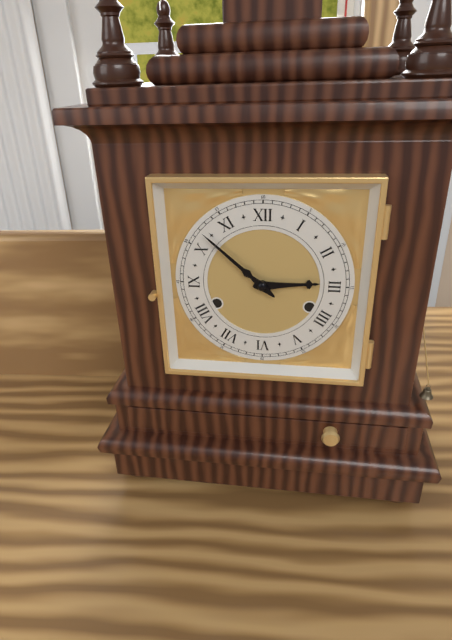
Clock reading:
{"hour": 2, "minute": 52}
